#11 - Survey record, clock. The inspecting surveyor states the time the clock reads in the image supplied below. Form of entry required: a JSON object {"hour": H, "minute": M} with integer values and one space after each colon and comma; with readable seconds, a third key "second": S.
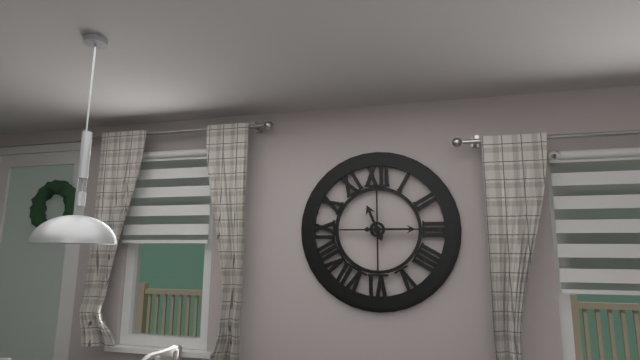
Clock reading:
{"hour": 11, "minute": 15}
